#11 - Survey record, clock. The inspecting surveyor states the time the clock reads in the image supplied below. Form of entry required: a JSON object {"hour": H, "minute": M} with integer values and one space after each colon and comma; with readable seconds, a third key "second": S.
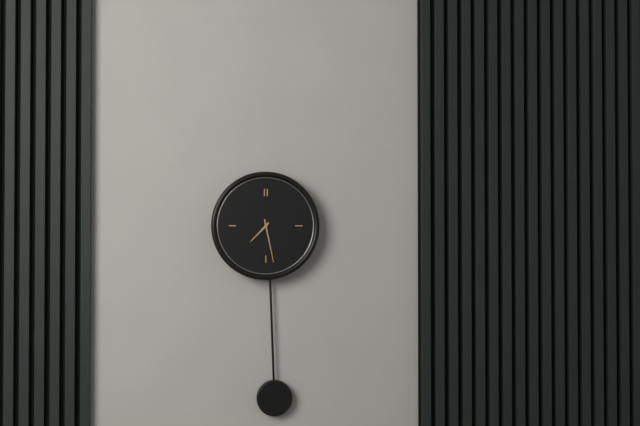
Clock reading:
{"hour": 7, "minute": 28}
